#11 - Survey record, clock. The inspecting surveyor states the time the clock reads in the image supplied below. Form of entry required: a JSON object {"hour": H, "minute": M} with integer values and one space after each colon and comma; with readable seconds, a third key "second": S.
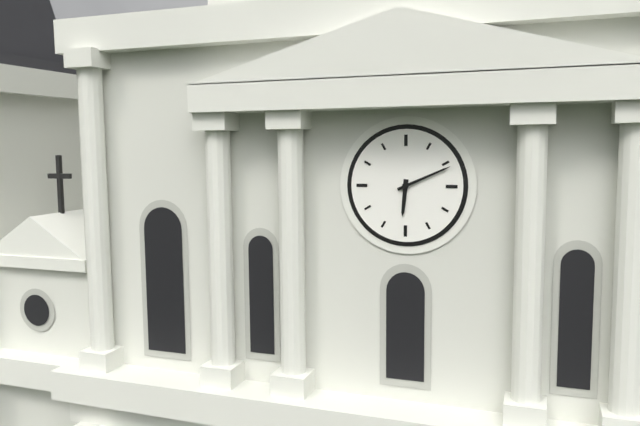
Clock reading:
{"hour": 6, "minute": 11}
